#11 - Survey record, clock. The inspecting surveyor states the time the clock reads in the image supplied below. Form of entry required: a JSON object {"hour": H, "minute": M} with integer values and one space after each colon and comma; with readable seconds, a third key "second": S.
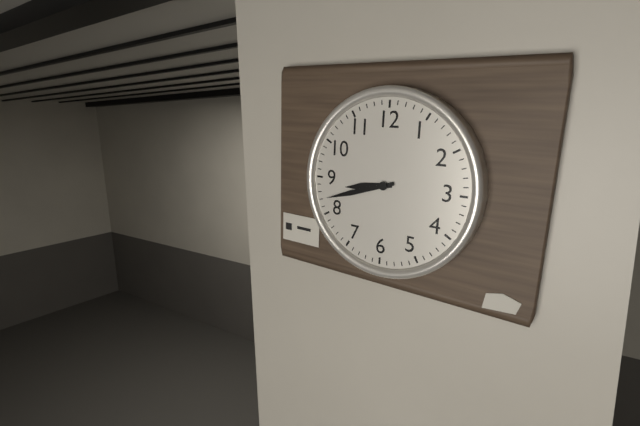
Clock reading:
{"hour": 8, "minute": 42}
